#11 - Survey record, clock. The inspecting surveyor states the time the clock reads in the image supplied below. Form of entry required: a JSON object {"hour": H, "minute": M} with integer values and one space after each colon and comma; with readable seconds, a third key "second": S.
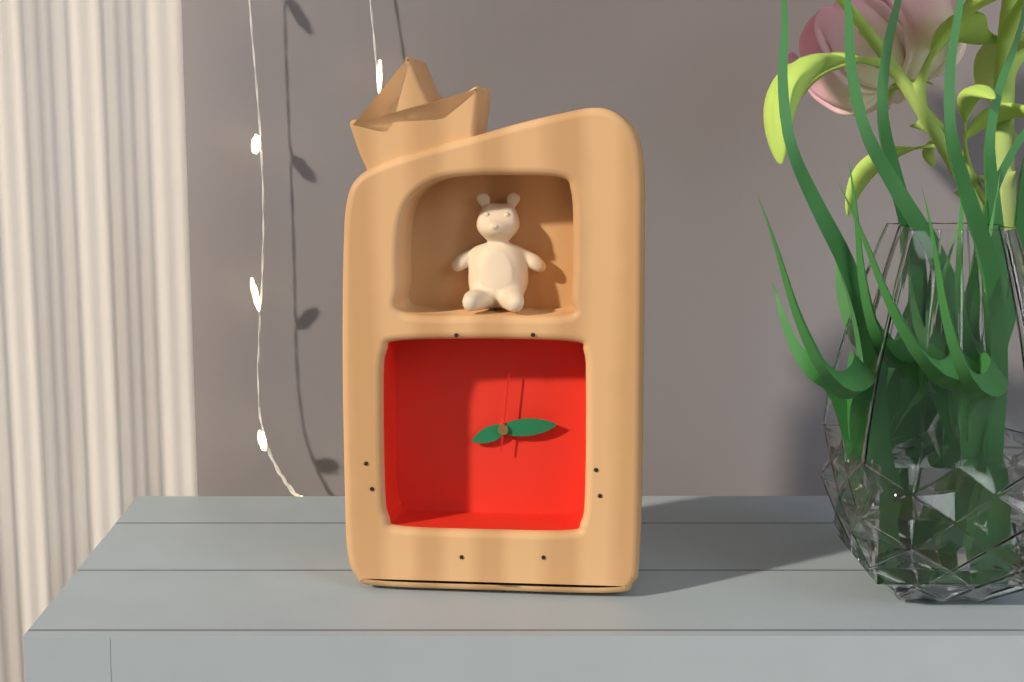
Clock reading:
{"hour": 8, "minute": 14, "second": 1}
